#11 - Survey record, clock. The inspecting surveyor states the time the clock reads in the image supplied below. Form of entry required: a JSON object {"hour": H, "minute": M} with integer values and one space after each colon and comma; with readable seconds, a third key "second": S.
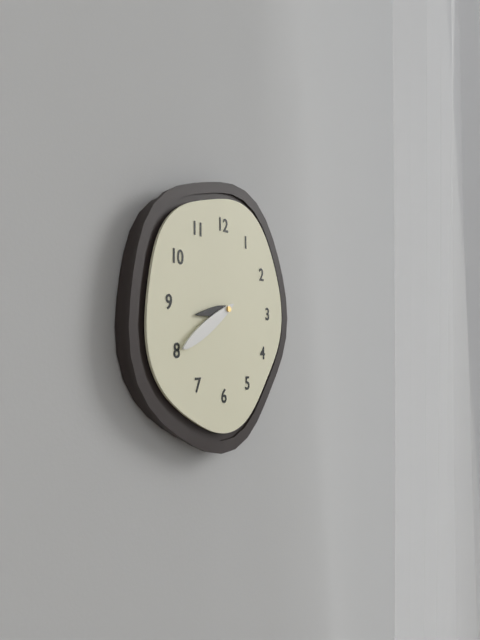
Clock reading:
{"hour": 8, "minute": 40}
